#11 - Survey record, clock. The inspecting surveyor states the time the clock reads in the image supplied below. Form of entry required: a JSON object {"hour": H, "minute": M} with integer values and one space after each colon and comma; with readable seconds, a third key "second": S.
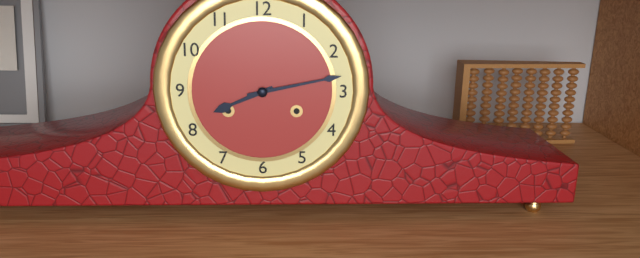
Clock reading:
{"hour": 8, "minute": 13}
